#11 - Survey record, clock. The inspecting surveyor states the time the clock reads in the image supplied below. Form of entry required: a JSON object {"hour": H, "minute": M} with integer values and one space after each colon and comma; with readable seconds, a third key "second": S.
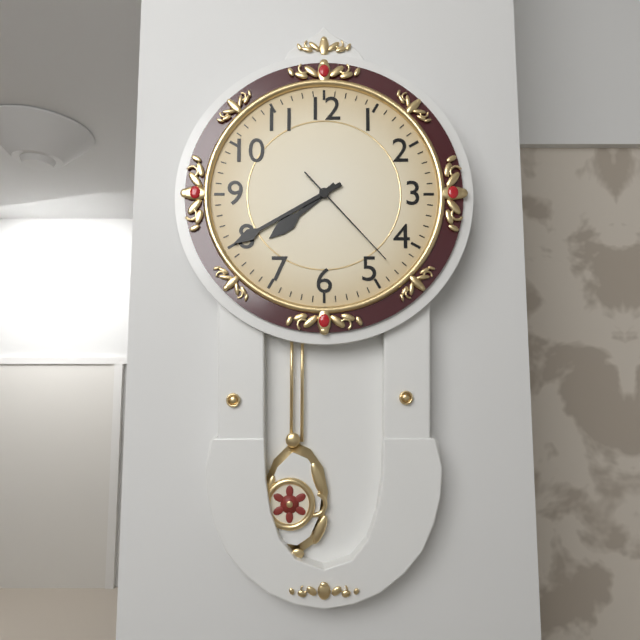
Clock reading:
{"hour": 7, "minute": 40, "second": 23}
